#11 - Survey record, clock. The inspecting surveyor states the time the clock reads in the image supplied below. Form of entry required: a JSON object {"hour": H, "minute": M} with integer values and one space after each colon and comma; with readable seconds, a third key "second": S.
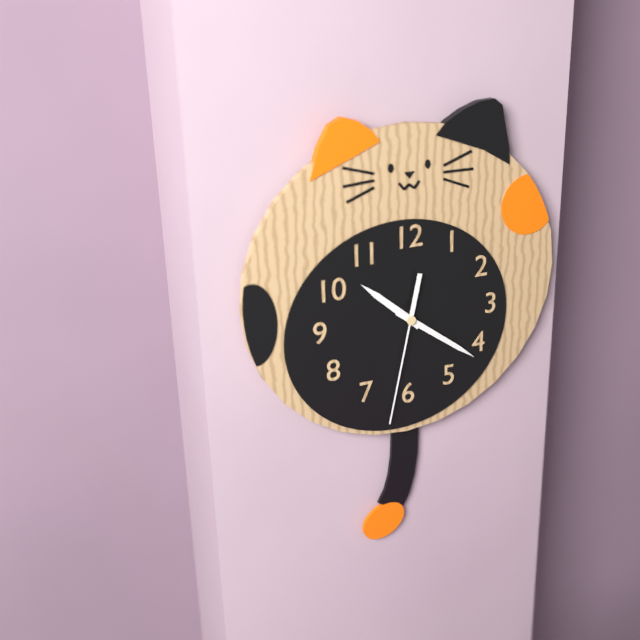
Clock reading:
{"hour": 10, "minute": 21, "second": 32}
